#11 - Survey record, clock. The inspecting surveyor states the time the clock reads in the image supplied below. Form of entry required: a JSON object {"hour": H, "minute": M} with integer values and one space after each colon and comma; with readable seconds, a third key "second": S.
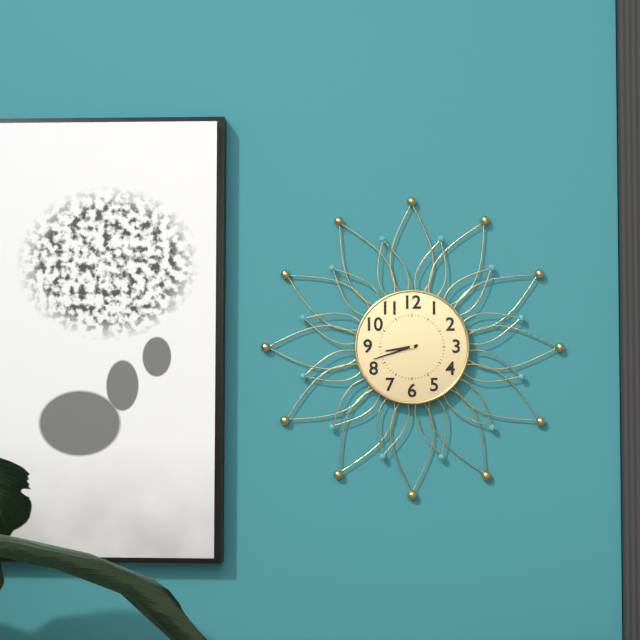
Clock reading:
{"hour": 8, "minute": 42}
